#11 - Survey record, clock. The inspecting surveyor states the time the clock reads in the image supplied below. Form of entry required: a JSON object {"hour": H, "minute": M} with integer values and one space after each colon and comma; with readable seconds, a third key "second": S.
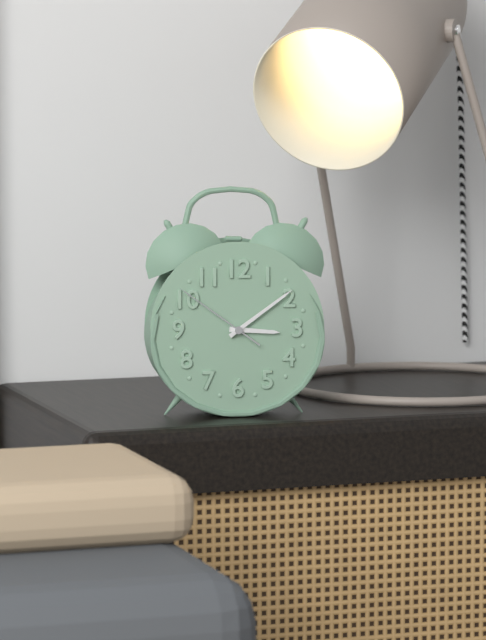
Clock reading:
{"hour": 3, "minute": 9, "second": 51}
